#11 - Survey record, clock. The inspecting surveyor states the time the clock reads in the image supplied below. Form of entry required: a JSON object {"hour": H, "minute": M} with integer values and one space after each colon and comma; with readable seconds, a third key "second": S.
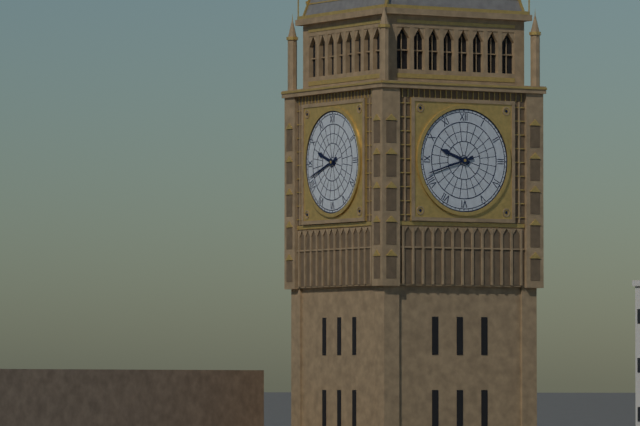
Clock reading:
{"hour": 9, "minute": 42}
